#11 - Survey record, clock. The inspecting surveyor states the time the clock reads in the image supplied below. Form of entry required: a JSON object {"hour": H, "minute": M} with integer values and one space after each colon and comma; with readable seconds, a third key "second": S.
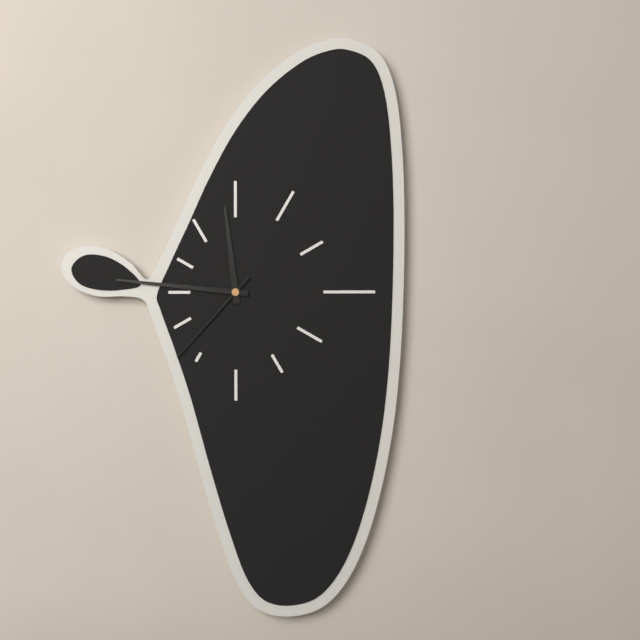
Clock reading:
{"hour": 11, "minute": 46, "second": 37}
